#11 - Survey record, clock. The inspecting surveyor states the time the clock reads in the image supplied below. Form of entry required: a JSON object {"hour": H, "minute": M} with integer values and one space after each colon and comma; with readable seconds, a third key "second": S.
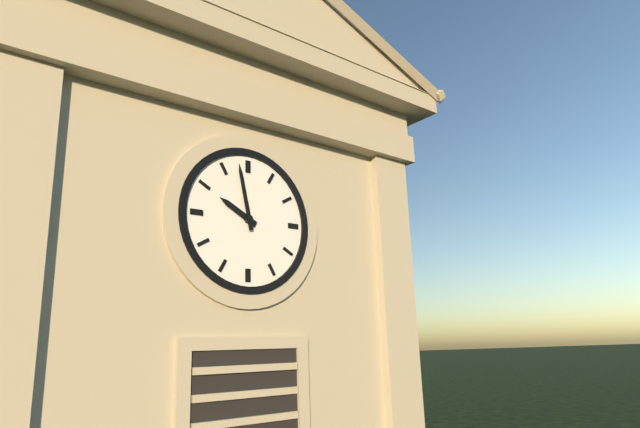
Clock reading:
{"hour": 9, "minute": 58}
